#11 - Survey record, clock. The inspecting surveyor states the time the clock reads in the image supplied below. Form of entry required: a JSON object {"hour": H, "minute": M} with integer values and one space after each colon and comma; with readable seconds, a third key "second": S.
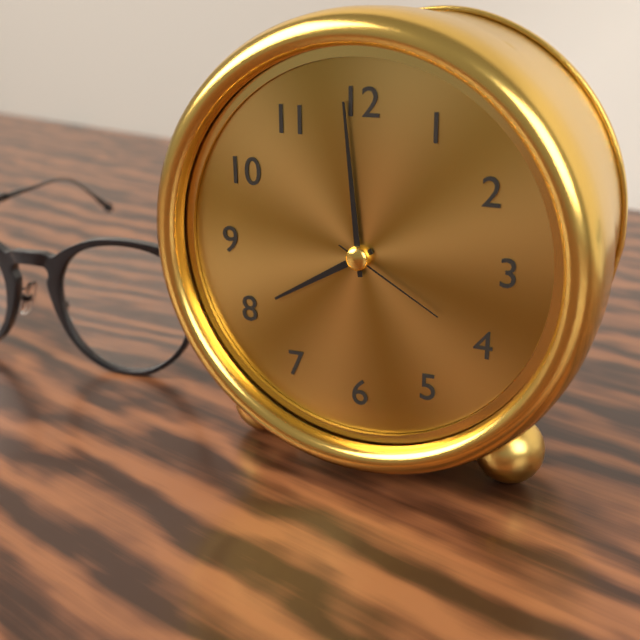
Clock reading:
{"hour": 7, "minute": 59, "second": 20}
